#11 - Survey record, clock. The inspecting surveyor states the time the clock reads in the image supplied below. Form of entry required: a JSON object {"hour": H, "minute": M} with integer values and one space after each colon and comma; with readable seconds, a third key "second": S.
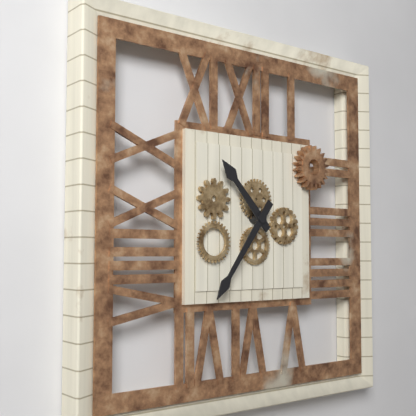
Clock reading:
{"hour": 10, "minute": 36}
